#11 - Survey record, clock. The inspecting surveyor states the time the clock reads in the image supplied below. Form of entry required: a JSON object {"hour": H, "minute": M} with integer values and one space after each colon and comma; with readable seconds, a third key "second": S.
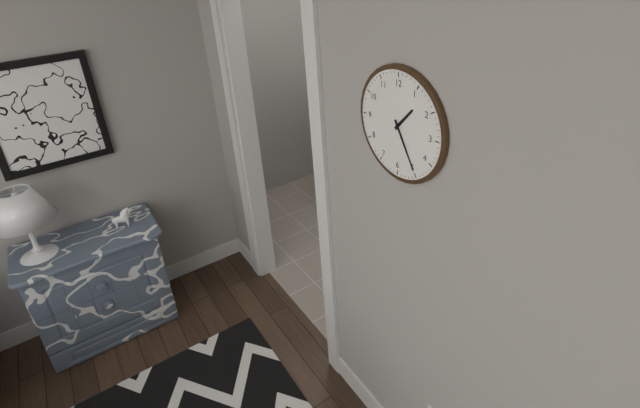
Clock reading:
{"hour": 1, "minute": 25}
